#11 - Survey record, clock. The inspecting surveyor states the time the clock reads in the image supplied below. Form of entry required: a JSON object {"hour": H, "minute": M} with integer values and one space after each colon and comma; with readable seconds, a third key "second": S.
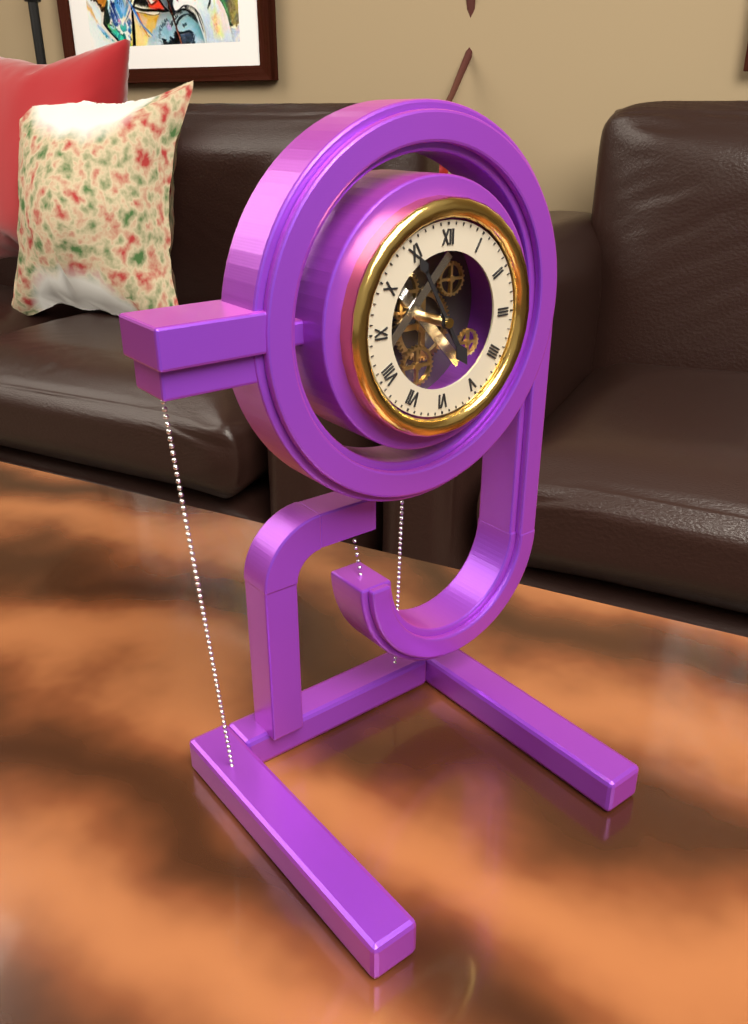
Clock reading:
{"hour": 4, "minute": 55}
